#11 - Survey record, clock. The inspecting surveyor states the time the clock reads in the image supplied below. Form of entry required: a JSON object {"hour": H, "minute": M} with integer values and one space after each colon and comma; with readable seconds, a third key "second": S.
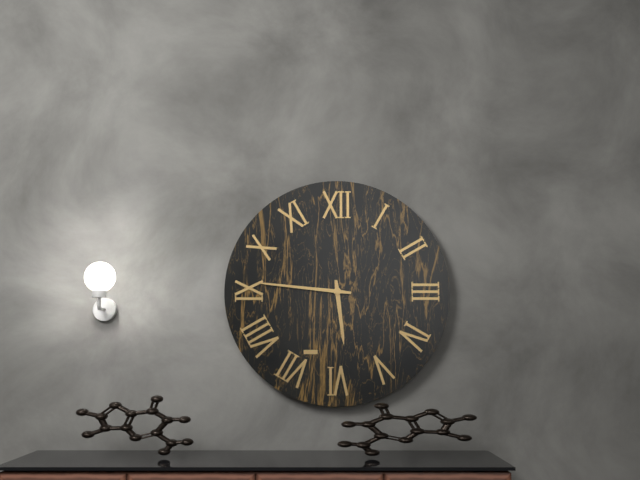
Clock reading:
{"hour": 5, "minute": 46}
